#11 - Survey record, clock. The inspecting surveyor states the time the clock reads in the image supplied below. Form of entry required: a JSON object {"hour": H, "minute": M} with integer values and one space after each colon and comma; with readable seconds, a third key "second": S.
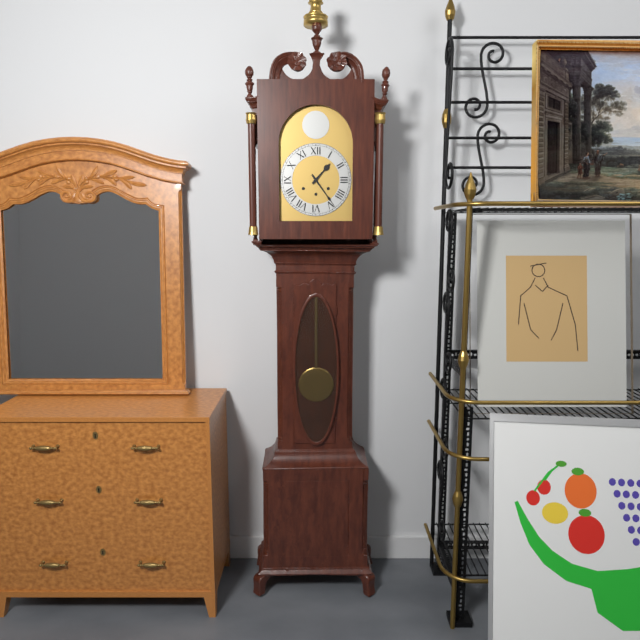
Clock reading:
{"hour": 1, "minute": 24}
